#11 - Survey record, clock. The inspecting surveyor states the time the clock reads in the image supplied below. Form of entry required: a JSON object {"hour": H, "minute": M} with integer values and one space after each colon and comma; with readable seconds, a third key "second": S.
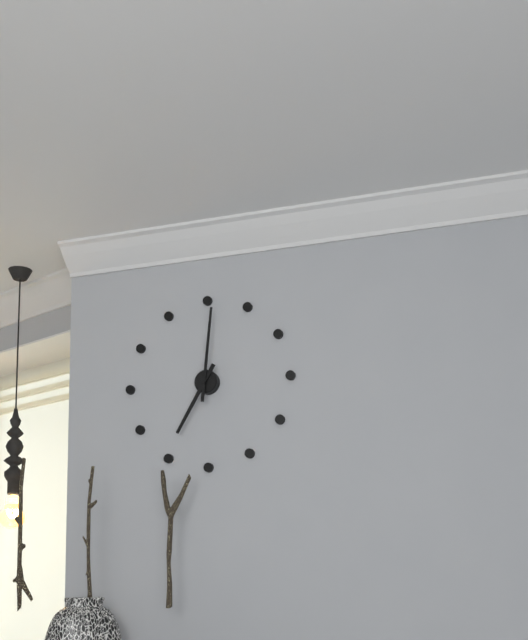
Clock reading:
{"hour": 7, "minute": 1}
